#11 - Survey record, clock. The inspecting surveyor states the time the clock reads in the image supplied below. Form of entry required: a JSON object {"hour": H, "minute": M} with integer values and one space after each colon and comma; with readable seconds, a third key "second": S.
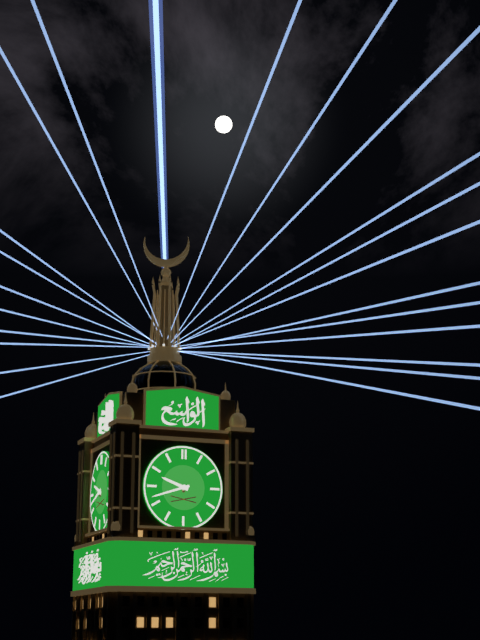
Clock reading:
{"hour": 9, "minute": 42}
